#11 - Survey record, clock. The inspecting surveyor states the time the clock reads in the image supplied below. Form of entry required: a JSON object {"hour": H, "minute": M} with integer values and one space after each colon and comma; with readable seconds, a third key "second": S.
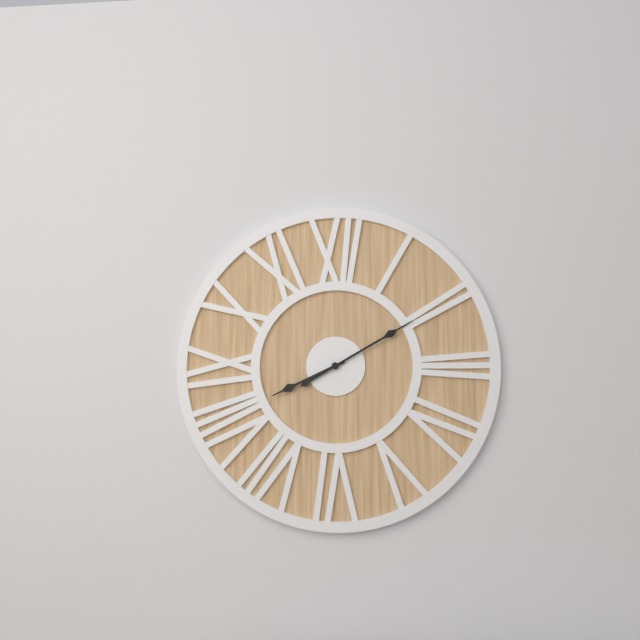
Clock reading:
{"hour": 8, "minute": 10}
